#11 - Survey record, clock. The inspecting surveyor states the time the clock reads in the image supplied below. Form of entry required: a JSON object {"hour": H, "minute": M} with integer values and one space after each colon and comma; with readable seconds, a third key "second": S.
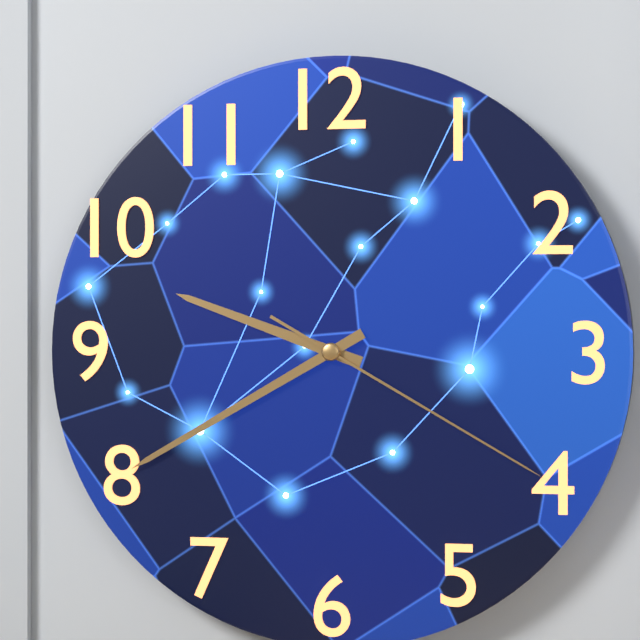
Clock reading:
{"hour": 9, "minute": 40, "second": 20}
